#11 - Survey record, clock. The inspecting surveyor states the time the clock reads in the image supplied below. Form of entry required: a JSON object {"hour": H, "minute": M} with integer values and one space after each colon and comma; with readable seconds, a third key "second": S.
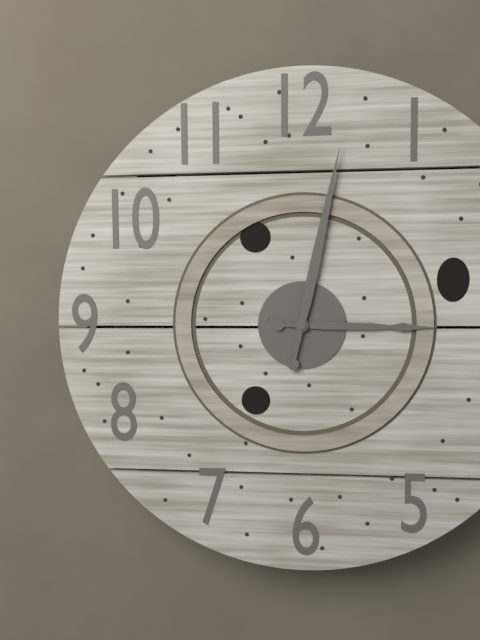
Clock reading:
{"hour": 3, "minute": 2}
